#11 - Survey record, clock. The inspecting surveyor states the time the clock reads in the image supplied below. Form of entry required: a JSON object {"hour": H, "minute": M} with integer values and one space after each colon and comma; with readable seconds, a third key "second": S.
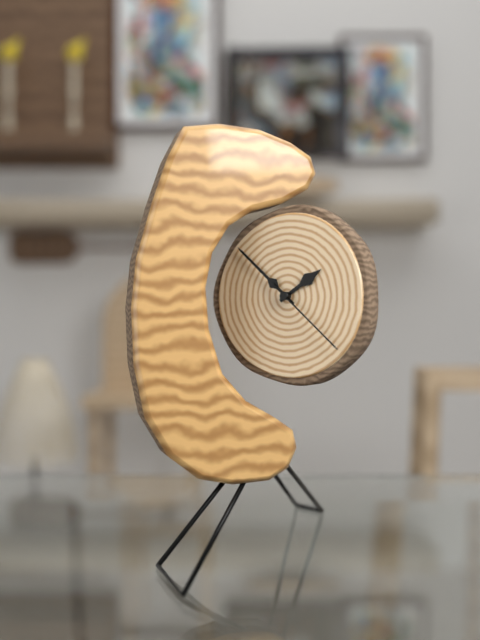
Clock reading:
{"hour": 1, "minute": 52, "second": 22}
